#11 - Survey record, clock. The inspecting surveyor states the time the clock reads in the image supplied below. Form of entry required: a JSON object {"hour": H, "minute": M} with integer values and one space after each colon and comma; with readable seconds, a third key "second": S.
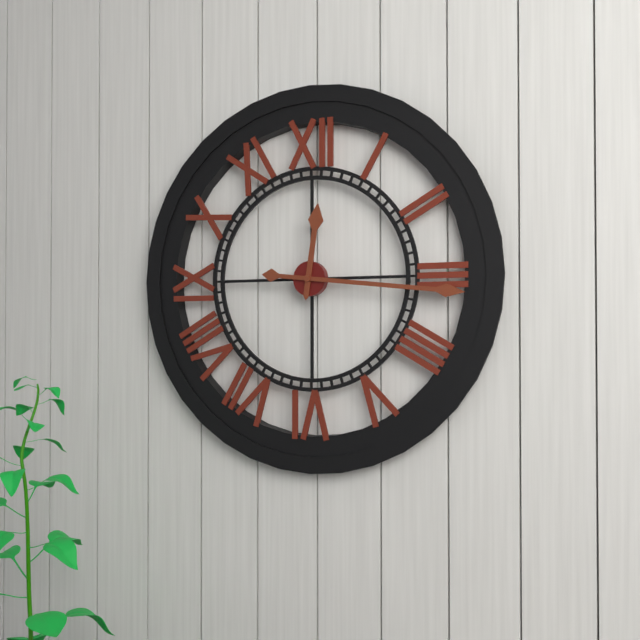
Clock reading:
{"hour": 12, "minute": 16}
